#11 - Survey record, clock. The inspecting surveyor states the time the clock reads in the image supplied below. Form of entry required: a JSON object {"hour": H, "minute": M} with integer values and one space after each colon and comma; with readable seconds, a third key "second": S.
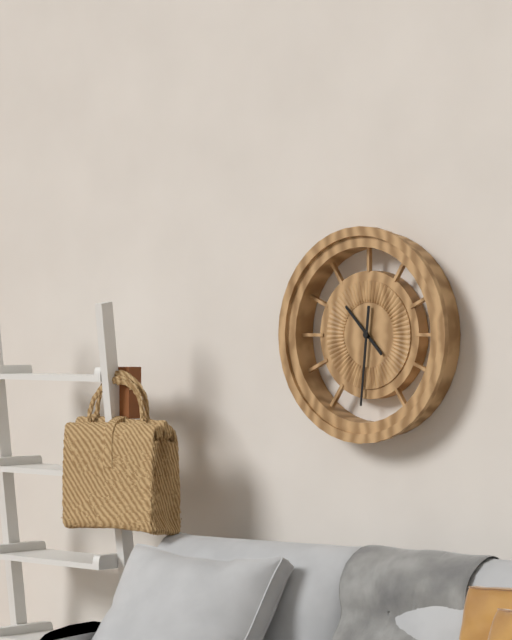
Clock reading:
{"hour": 10, "minute": 31}
